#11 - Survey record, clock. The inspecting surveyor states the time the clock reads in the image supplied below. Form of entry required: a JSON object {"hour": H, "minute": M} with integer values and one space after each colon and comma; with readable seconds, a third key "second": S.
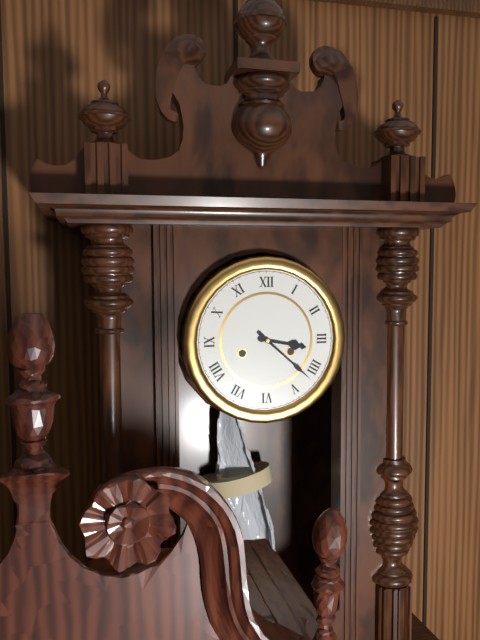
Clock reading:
{"hour": 3, "minute": 22}
